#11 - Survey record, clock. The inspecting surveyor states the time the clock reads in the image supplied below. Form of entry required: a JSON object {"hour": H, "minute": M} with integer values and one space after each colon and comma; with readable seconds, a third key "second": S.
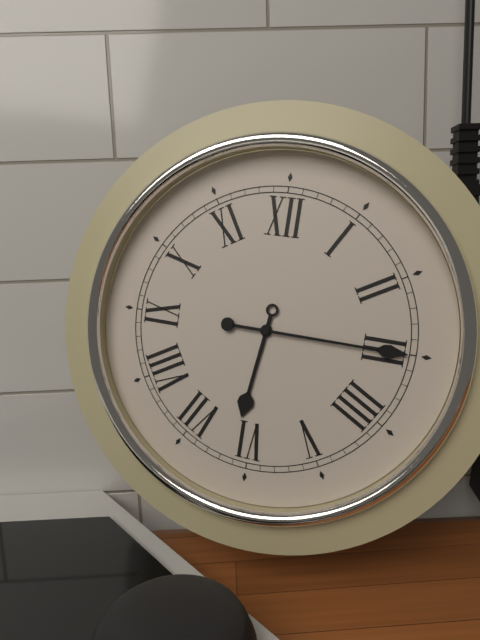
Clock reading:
{"hour": 6, "minute": 15}
